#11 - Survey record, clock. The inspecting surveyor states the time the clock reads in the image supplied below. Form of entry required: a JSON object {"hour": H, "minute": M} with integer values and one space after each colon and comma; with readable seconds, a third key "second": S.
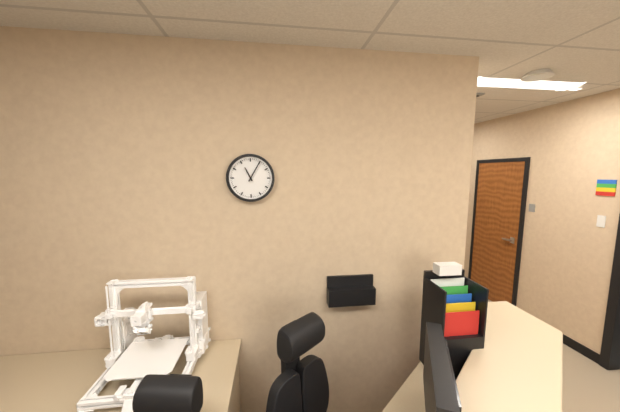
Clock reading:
{"hour": 11, "minute": 5}
